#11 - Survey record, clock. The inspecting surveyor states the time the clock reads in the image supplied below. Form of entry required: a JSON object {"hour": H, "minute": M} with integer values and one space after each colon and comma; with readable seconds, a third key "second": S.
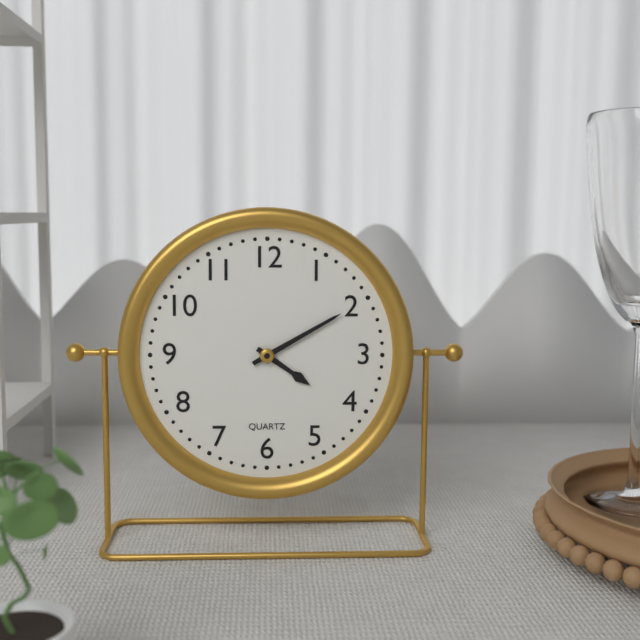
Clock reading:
{"hour": 4, "minute": 10}
